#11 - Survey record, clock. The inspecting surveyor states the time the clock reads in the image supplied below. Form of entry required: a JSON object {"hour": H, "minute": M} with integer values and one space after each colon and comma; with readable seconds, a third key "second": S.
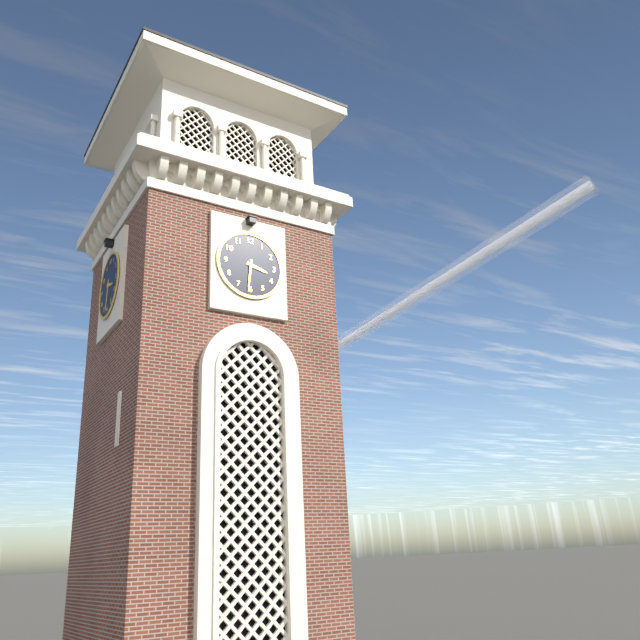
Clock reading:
{"hour": 3, "minute": 31}
